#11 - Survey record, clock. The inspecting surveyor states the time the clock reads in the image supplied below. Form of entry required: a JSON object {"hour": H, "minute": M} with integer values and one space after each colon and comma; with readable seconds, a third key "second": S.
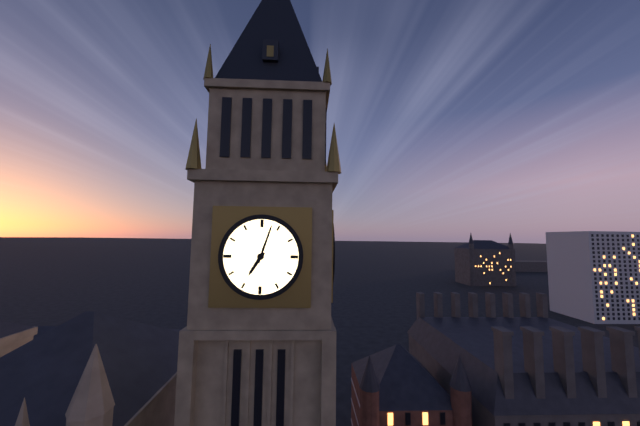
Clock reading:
{"hour": 7, "minute": 3}
